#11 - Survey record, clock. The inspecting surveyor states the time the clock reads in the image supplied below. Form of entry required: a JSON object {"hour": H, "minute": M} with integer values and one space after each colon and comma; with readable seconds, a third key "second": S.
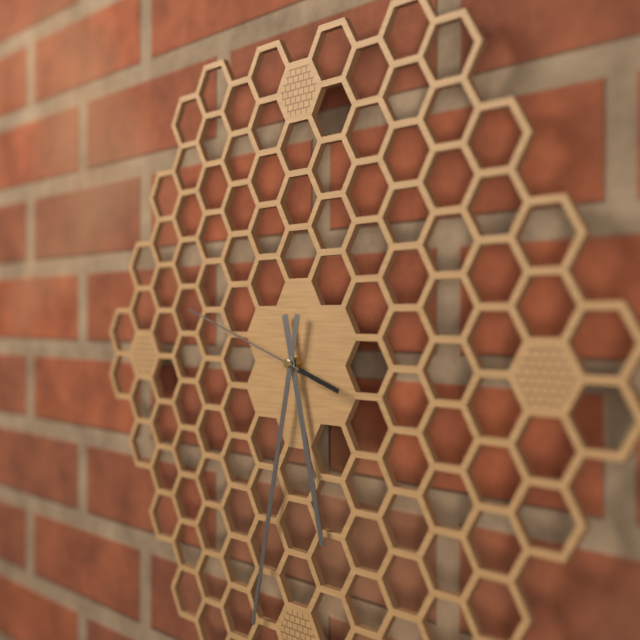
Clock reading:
{"hour": 5, "minute": 32, "second": 48}
